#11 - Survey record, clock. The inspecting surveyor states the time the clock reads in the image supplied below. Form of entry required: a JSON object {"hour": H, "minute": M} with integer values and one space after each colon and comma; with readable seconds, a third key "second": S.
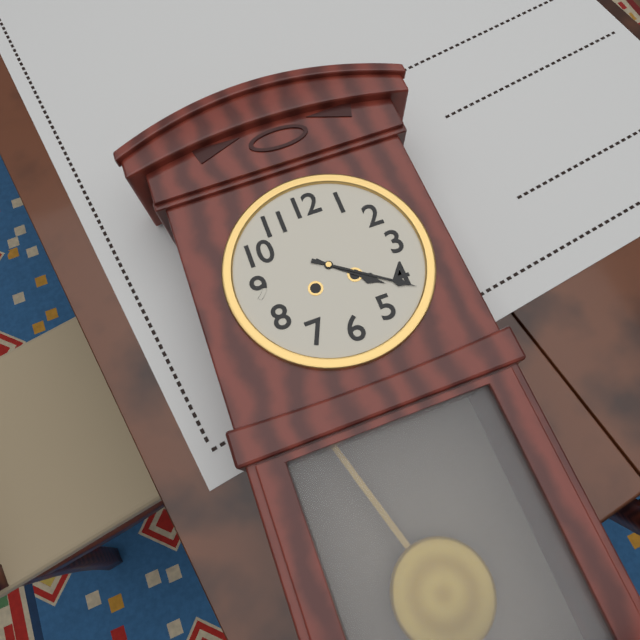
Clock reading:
{"hour": 4, "minute": 21}
